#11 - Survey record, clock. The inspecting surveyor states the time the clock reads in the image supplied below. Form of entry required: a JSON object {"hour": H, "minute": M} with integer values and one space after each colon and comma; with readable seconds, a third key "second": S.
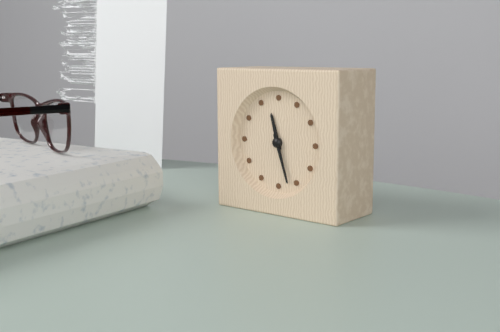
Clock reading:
{"hour": 11, "minute": 27}
